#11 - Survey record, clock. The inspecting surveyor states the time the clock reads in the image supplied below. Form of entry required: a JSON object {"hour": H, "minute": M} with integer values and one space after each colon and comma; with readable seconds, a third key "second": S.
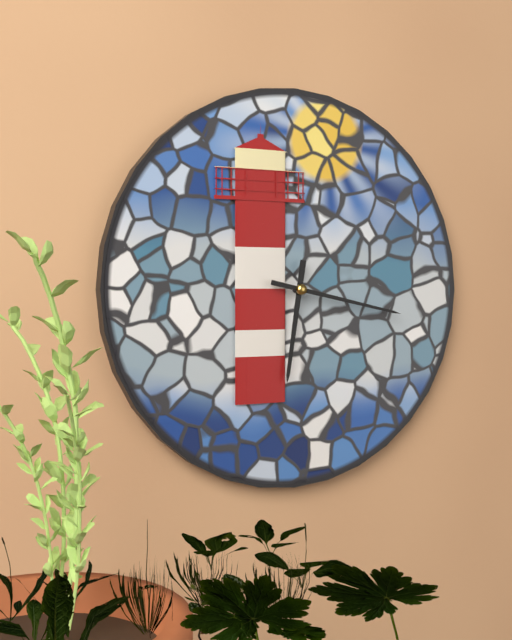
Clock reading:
{"hour": 6, "minute": 17}
